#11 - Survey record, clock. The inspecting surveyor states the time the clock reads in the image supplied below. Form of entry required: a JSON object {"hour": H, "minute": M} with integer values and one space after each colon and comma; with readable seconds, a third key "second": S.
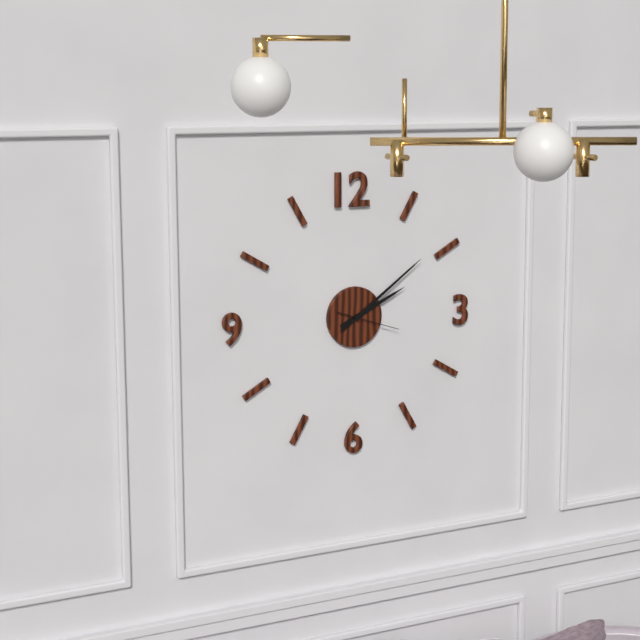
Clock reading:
{"hour": 2, "minute": 9, "second": 18}
